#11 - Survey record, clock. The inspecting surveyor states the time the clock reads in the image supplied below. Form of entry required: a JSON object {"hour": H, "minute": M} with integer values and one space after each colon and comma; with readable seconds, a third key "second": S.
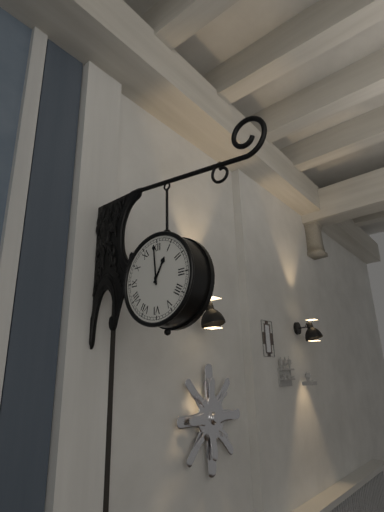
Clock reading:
{"hour": 12, "minute": 59}
